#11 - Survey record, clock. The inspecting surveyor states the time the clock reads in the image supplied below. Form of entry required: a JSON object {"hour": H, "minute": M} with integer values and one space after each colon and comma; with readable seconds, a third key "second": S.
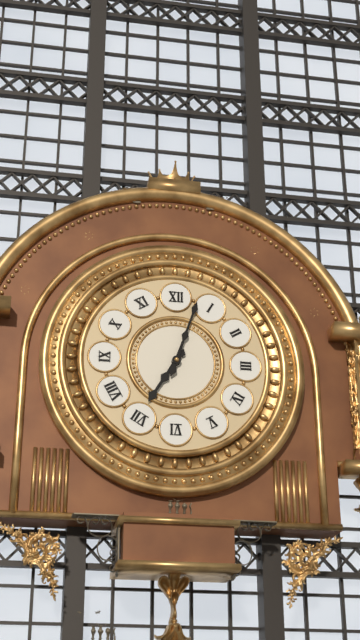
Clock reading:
{"hour": 7, "minute": 3}
